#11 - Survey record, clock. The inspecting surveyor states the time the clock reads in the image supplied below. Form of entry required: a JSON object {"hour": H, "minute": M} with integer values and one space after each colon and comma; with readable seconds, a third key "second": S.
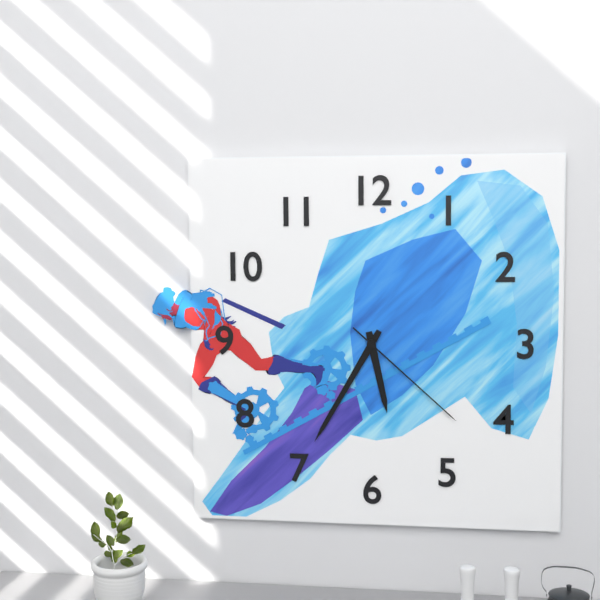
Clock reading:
{"hour": 5, "minute": 35, "second": 22}
